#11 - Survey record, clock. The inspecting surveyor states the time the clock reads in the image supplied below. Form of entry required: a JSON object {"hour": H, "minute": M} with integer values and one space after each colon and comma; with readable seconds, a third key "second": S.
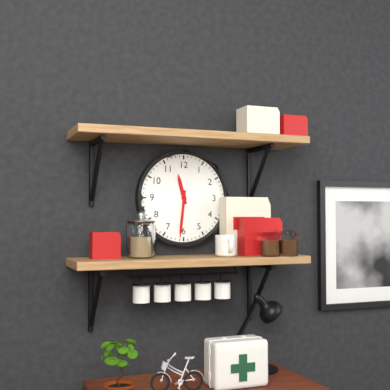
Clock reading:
{"hour": 11, "minute": 31}
